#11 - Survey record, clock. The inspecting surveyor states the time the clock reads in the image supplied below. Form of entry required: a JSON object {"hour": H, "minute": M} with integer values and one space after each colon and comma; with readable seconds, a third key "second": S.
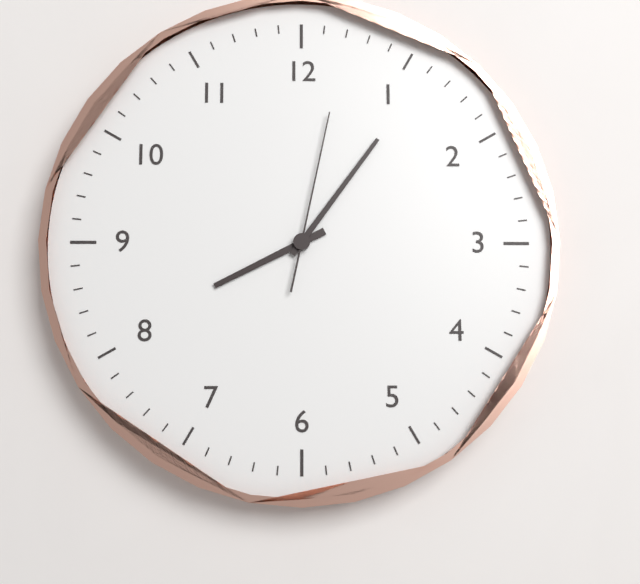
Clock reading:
{"hour": 8, "minute": 6, "second": 2}
